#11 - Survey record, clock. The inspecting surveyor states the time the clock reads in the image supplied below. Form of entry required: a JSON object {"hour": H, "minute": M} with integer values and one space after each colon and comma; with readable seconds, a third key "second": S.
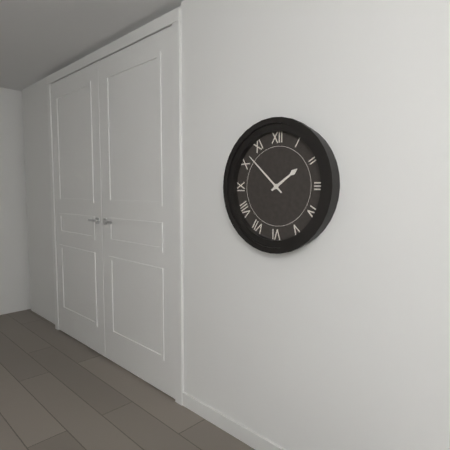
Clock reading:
{"hour": 1, "minute": 52}
